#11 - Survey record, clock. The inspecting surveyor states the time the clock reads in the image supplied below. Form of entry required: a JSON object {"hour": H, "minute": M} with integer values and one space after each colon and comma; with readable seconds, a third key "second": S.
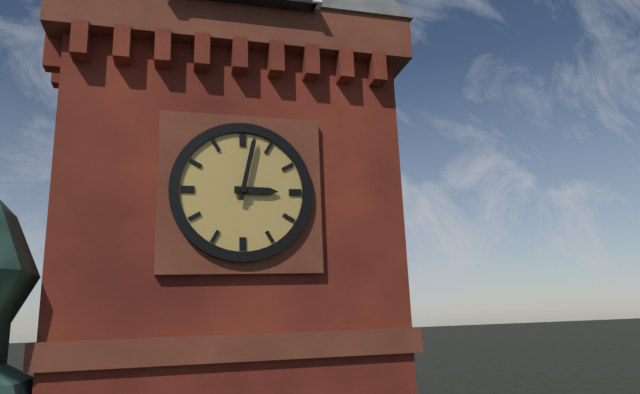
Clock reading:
{"hour": 3, "minute": 2}
